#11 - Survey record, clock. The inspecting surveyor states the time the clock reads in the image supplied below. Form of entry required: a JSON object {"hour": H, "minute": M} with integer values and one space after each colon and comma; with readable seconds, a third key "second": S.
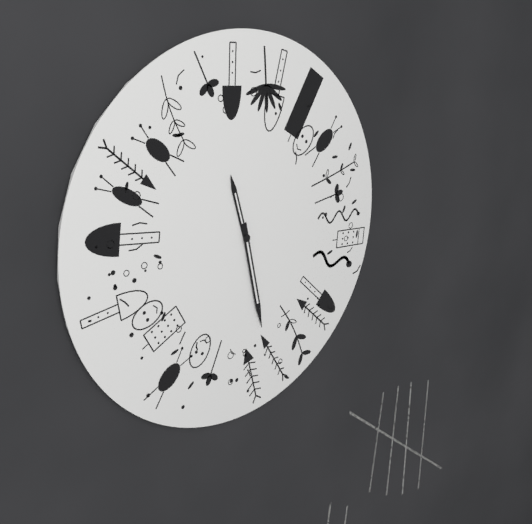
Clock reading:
{"hour": 11, "minute": 28}
